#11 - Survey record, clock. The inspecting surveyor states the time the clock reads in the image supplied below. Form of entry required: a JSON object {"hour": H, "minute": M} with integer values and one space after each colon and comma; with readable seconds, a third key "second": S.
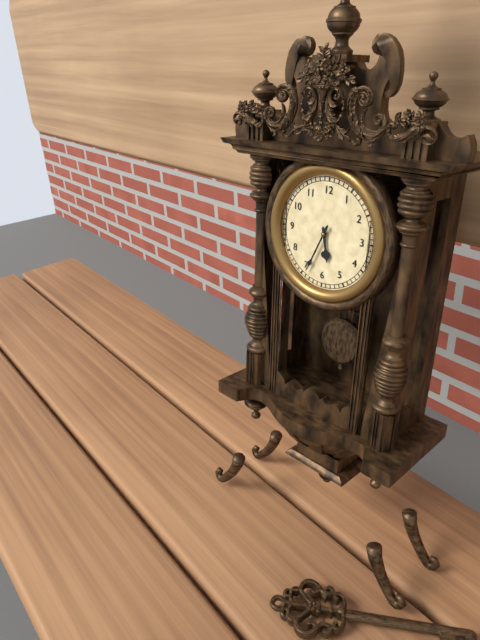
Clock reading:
{"hour": 5, "minute": 34}
